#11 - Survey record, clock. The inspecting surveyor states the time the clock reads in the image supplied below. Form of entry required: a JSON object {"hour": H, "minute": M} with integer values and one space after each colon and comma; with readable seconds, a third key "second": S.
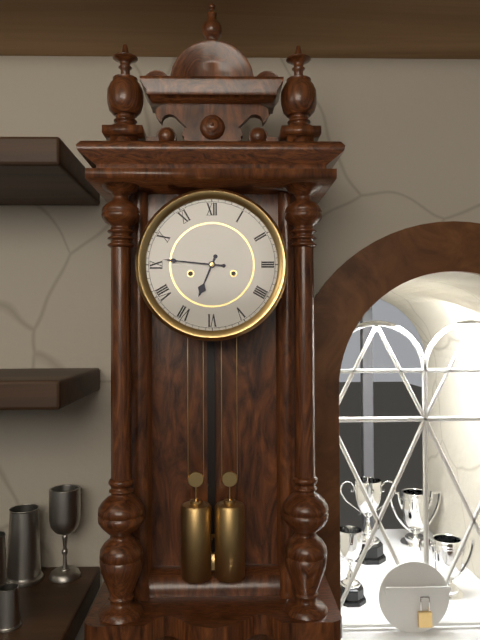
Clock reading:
{"hour": 6, "minute": 46}
